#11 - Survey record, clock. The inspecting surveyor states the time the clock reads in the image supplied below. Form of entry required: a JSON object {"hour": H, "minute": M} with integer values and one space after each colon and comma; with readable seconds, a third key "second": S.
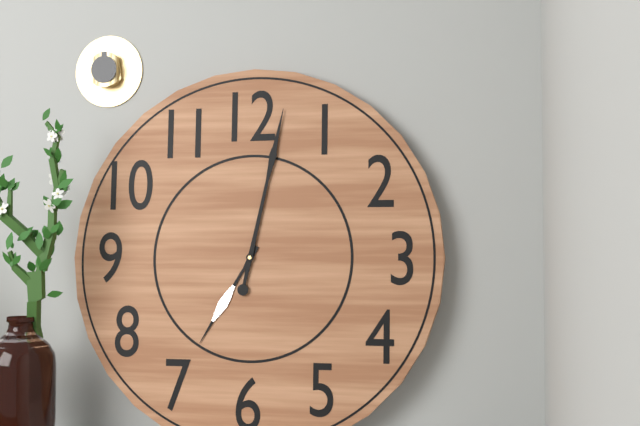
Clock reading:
{"hour": 7, "minute": 2}
